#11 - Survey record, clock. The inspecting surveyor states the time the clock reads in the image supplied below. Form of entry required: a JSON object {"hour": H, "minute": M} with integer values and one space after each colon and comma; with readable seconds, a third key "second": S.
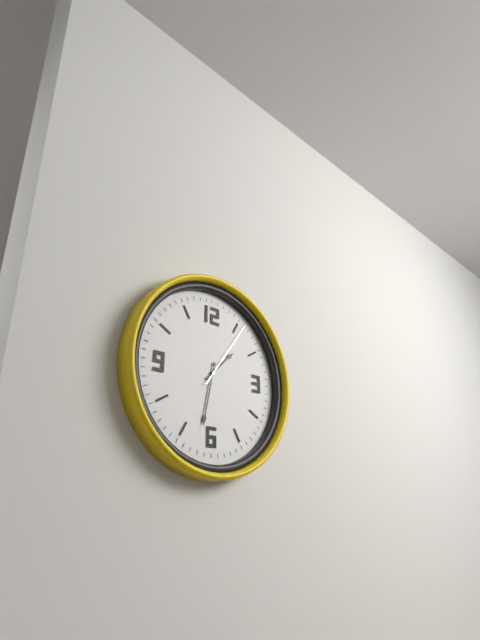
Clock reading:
{"hour": 1, "minute": 32, "second": 6}
